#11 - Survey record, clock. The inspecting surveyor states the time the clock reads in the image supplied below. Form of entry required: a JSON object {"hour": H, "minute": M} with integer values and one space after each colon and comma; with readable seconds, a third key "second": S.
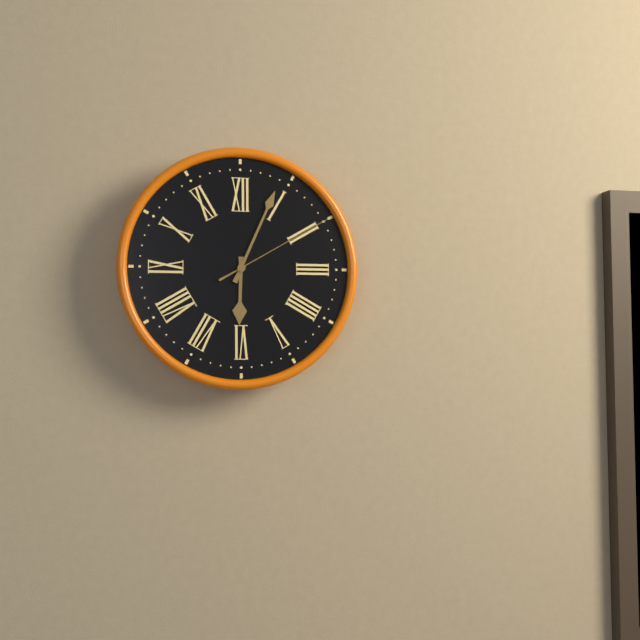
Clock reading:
{"hour": 6, "minute": 4, "second": 10}
